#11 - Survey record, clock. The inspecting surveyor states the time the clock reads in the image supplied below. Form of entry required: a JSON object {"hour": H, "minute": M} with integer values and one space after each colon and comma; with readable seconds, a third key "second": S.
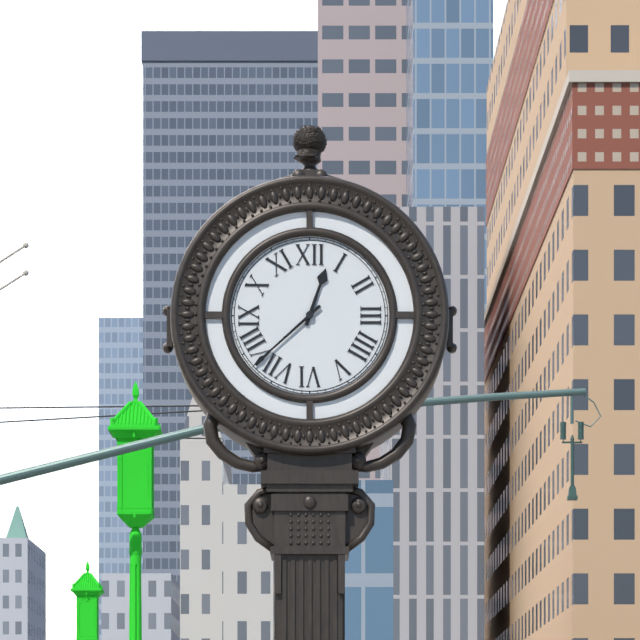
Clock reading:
{"hour": 12, "minute": 38}
